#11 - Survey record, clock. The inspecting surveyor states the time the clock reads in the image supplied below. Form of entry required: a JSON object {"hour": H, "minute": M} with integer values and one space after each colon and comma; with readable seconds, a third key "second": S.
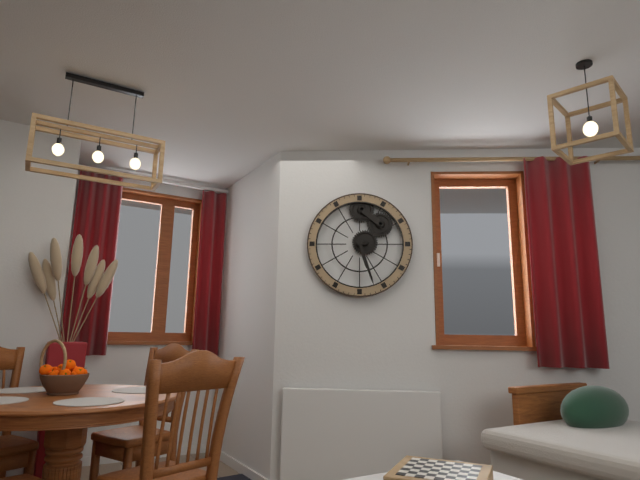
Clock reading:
{"hour": 5, "minute": 27}
